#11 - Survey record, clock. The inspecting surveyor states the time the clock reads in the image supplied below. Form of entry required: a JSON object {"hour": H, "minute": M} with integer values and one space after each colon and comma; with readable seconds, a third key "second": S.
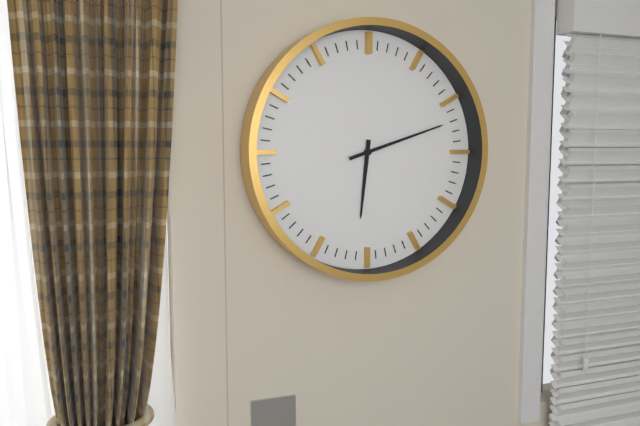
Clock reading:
{"hour": 6, "minute": 12}
